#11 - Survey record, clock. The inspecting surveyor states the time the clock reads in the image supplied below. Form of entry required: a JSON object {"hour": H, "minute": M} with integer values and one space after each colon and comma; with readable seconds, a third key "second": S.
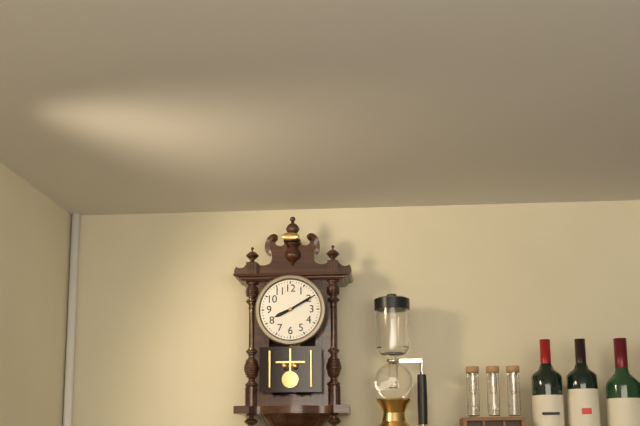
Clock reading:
{"hour": 8, "minute": 10}
